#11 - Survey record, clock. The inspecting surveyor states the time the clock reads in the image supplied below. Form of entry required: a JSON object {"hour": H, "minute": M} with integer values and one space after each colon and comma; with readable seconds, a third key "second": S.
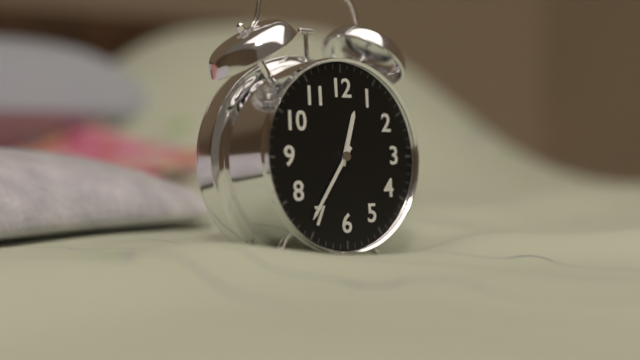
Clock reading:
{"hour": 12, "minute": 36}
